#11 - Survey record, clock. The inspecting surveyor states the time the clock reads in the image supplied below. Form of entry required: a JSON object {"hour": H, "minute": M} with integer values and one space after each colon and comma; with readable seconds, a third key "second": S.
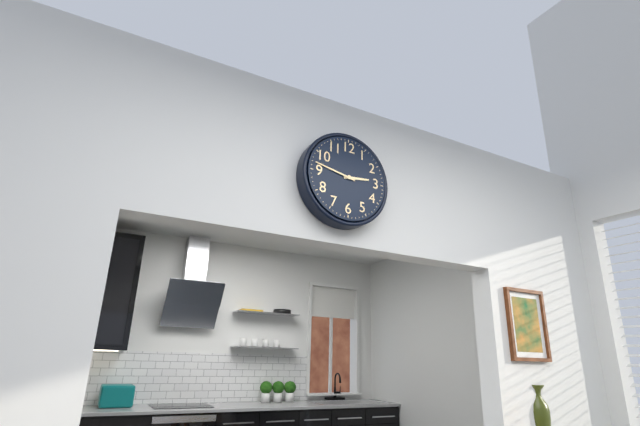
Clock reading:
{"hour": 2, "minute": 47}
